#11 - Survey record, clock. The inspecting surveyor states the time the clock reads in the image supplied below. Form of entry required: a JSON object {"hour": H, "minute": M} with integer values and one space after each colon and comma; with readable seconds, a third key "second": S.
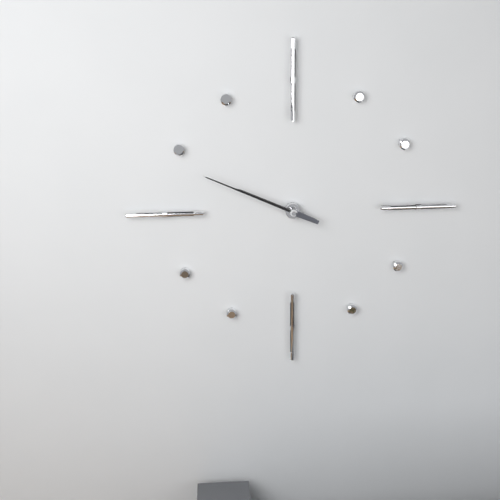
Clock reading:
{"hour": 9, "minute": 49}
